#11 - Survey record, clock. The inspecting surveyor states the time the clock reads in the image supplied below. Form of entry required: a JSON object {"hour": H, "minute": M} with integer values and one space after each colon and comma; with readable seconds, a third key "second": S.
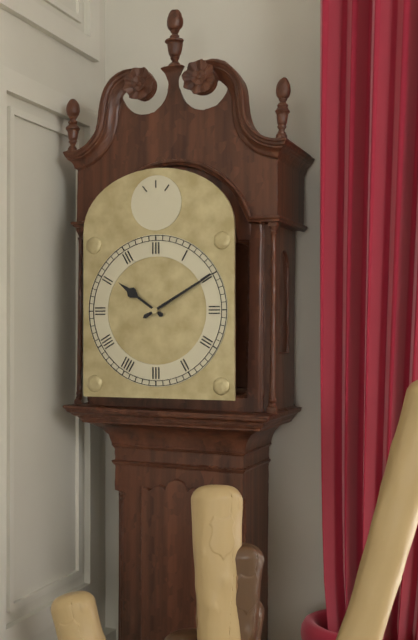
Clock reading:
{"hour": 10, "minute": 10}
